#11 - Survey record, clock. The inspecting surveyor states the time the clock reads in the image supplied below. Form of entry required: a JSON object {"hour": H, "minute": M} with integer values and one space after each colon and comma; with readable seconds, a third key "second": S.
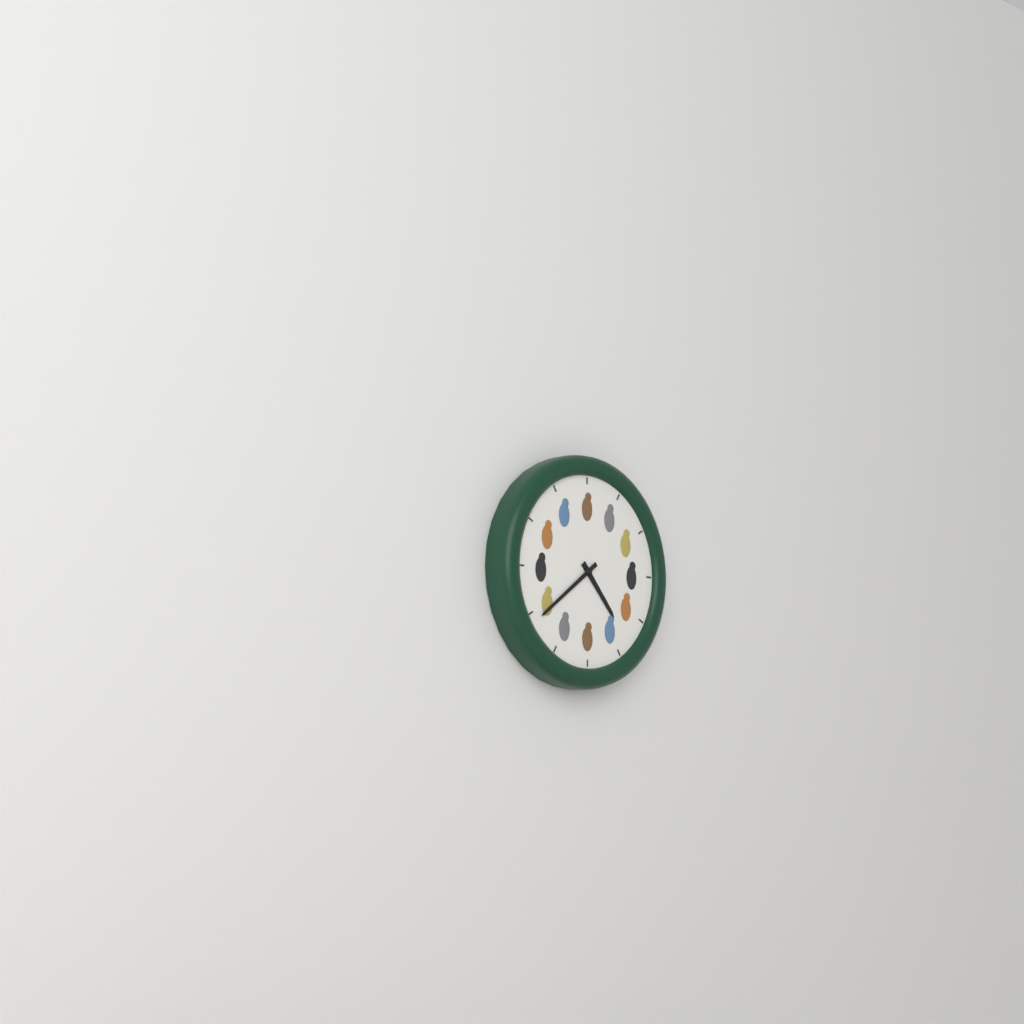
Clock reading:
{"hour": 4, "minute": 39}
